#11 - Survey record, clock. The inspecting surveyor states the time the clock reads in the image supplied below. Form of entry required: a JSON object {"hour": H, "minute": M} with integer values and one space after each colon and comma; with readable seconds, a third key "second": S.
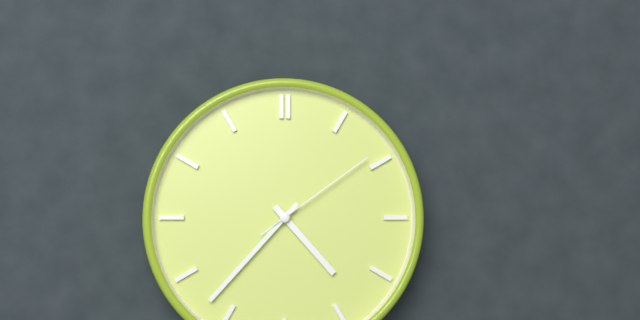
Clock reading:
{"hour": 4, "minute": 37, "second": 9}
